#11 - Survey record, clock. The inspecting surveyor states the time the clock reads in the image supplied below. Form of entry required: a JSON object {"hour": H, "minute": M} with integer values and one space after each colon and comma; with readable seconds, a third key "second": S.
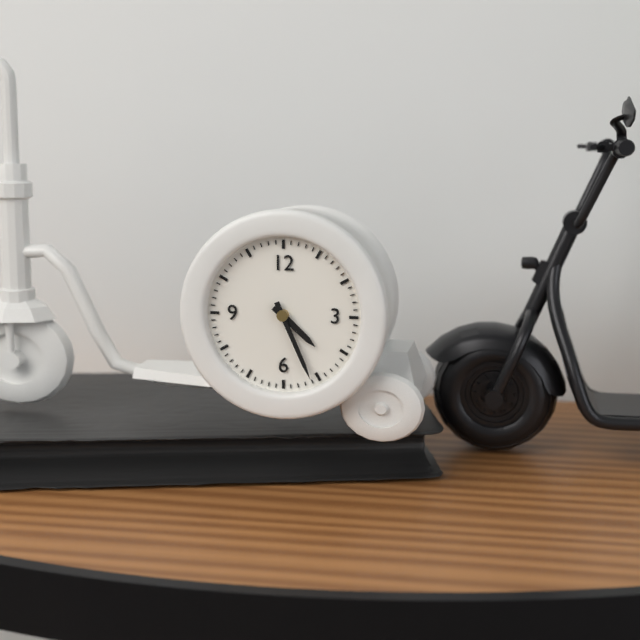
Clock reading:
{"hour": 4, "minute": 26}
